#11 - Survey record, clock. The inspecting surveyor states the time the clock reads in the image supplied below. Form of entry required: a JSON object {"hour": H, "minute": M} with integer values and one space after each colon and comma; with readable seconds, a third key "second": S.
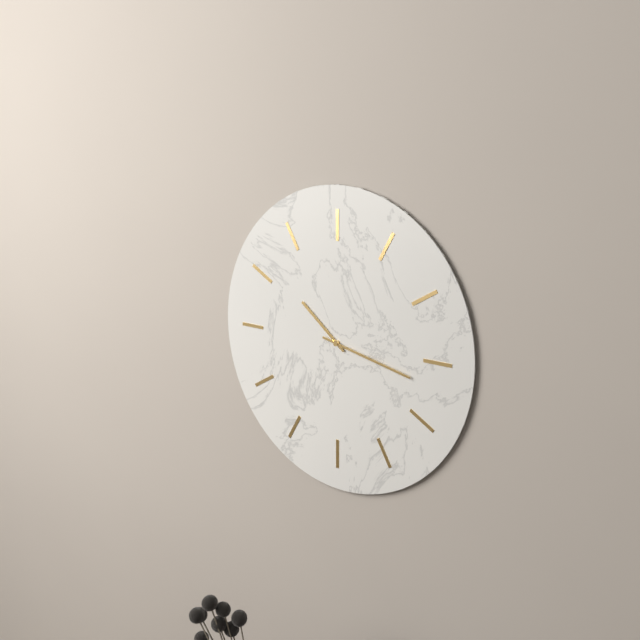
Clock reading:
{"hour": 10, "minute": 17}
